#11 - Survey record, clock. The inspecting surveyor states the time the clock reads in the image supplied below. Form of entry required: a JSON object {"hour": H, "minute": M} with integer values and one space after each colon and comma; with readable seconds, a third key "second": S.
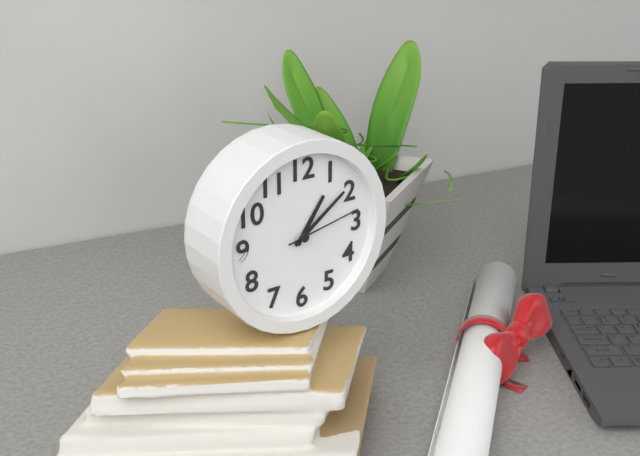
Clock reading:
{"hour": 1, "minute": 9, "second": 13}
